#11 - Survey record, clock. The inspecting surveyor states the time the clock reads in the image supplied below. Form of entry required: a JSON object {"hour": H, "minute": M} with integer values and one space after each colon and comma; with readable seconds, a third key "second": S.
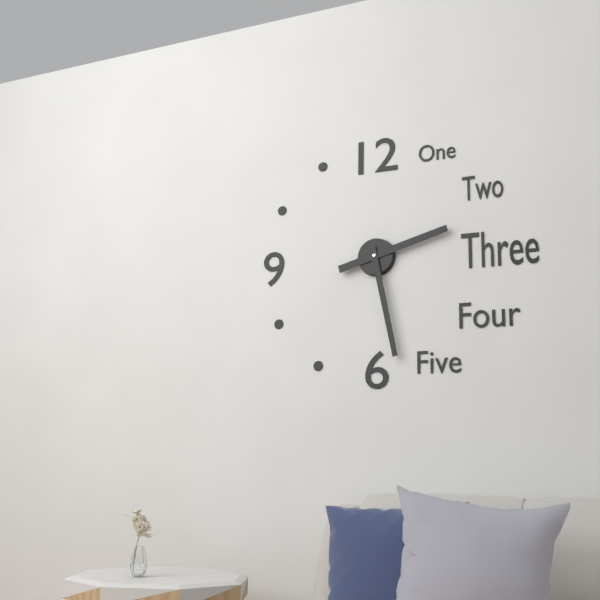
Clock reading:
{"hour": 2, "minute": 28}
